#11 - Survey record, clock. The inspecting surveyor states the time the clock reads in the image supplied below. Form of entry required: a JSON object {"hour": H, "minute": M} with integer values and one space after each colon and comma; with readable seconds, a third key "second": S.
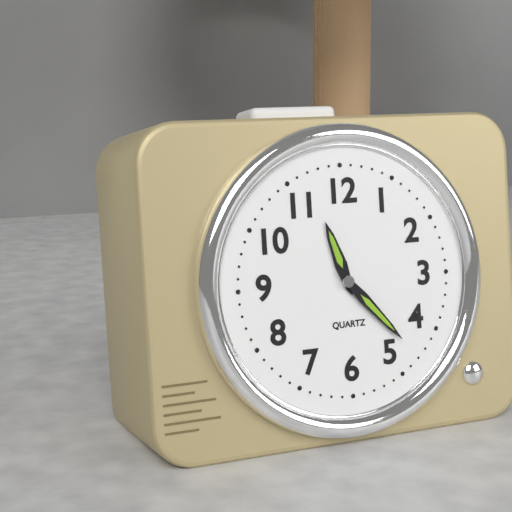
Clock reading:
{"hour": 11, "minute": 23}
